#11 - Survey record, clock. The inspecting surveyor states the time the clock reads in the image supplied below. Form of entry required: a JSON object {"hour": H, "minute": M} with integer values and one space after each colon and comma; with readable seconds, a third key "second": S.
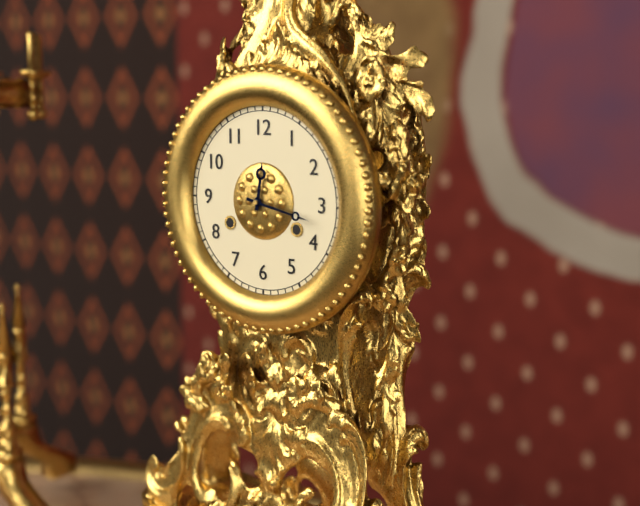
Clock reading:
{"hour": 12, "minute": 17}
